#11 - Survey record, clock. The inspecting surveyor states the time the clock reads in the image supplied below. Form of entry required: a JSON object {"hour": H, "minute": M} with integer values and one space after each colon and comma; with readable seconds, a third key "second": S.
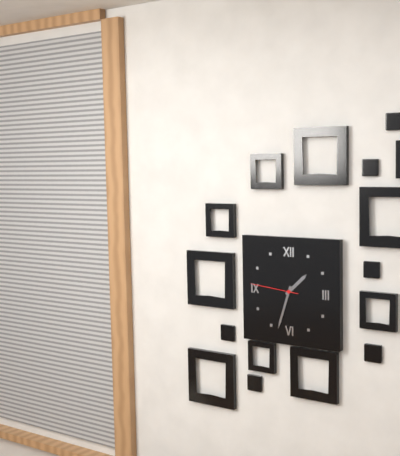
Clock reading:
{"hour": 1, "minute": 33}
